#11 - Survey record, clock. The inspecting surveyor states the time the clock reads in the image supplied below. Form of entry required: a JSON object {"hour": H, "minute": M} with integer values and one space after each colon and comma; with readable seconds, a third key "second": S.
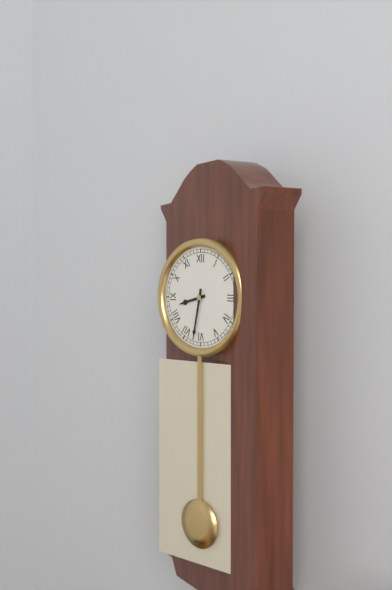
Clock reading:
{"hour": 8, "minute": 32}
